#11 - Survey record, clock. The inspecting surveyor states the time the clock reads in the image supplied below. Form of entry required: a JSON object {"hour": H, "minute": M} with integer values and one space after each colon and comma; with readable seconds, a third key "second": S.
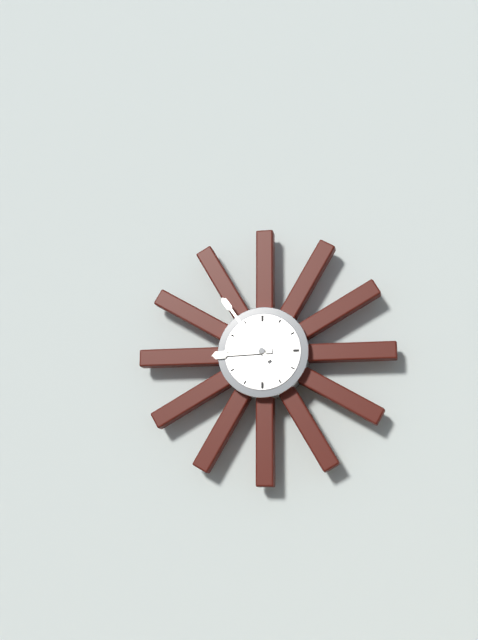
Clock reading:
{"hour": 8, "minute": 54}
